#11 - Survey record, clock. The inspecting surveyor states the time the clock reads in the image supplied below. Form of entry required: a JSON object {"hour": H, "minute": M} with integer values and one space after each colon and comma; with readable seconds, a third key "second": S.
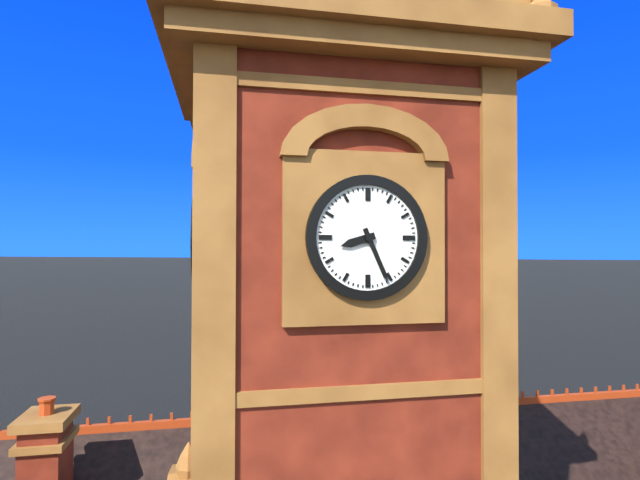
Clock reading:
{"hour": 8, "minute": 26}
